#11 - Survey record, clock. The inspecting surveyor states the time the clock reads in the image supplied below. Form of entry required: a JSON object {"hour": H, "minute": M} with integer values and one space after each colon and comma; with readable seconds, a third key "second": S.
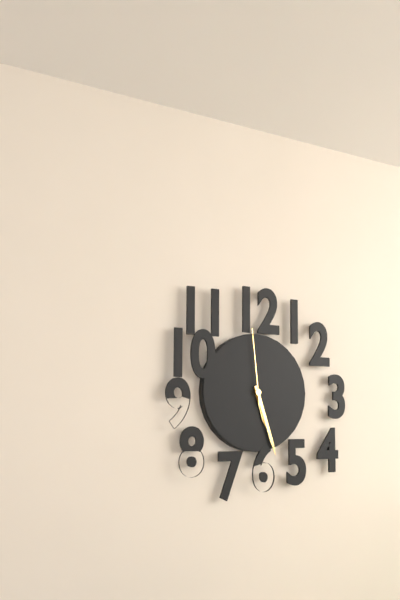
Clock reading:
{"hour": 5, "minute": 27, "second": 59}
